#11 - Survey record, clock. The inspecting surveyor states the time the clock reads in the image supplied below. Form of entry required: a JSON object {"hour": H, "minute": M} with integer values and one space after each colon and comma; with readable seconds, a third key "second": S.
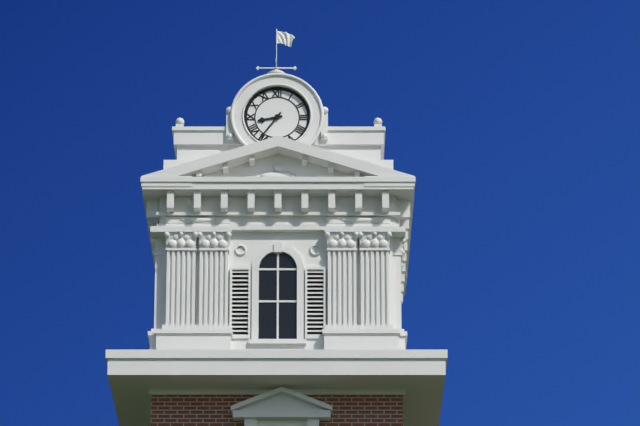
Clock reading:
{"hour": 8, "minute": 36}
